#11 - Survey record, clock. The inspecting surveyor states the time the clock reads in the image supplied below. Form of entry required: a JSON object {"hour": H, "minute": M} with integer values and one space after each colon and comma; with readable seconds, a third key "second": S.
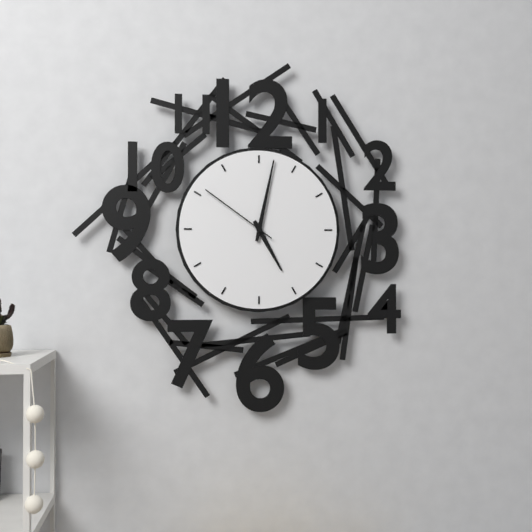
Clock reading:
{"hour": 5, "minute": 2, "second": 51}
